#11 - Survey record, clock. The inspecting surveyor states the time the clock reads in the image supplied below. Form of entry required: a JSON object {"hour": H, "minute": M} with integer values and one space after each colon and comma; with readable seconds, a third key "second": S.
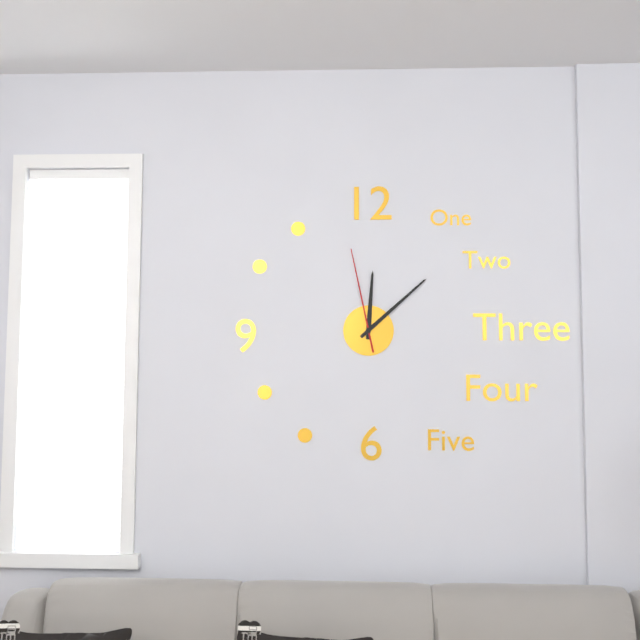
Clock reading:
{"hour": 12, "minute": 8, "second": 58}
